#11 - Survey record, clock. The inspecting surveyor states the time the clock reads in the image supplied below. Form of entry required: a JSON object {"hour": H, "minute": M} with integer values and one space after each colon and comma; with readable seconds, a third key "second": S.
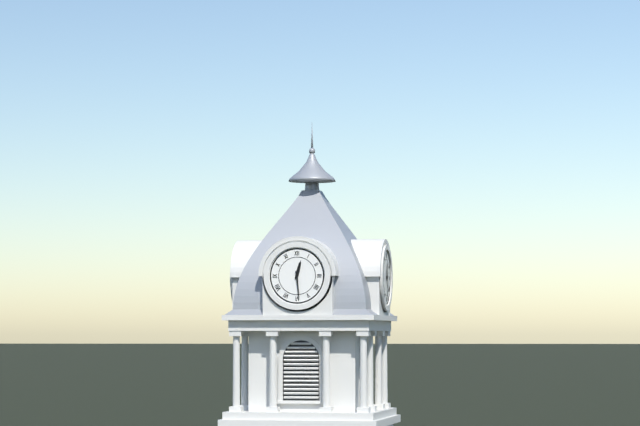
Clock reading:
{"hour": 12, "minute": 29}
